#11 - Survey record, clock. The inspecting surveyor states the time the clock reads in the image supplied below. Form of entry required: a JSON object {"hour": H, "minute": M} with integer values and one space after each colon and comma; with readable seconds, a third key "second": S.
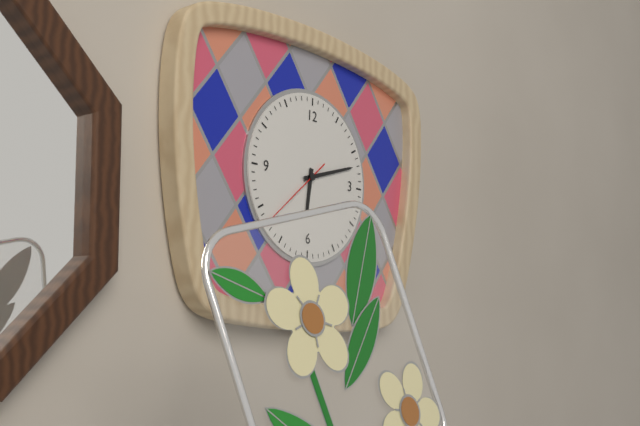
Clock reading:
{"hour": 6, "minute": 12, "second": 38}
